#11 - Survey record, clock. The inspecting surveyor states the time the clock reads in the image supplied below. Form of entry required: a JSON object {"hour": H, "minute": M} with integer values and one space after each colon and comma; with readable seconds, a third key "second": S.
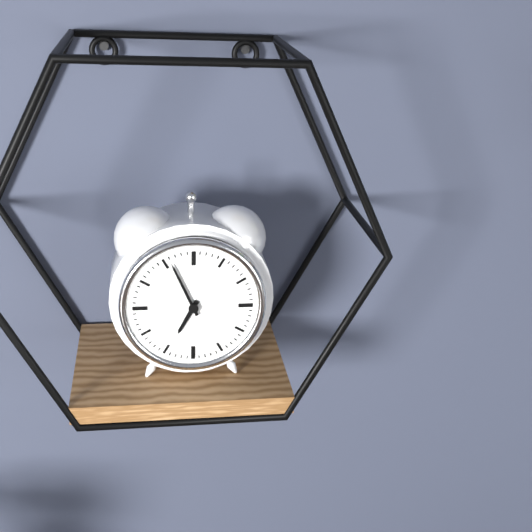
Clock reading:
{"hour": 6, "minute": 56}
